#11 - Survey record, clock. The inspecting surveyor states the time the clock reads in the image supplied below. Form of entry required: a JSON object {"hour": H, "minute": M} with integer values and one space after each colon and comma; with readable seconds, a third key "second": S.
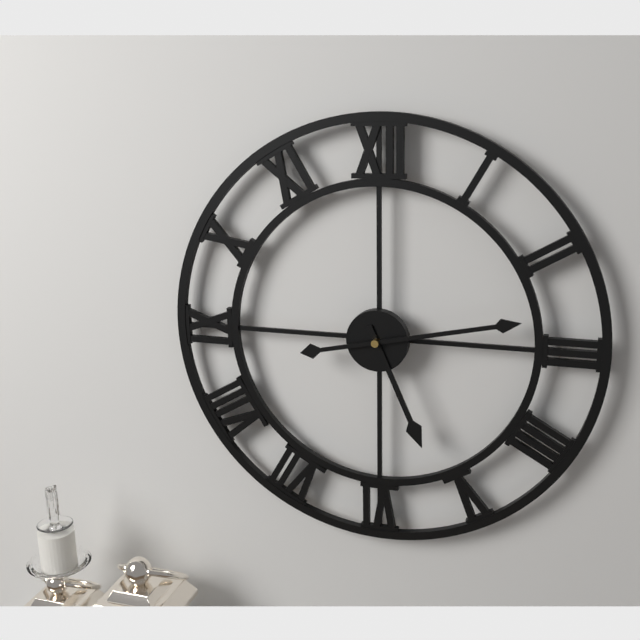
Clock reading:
{"hour": 5, "minute": 13}
